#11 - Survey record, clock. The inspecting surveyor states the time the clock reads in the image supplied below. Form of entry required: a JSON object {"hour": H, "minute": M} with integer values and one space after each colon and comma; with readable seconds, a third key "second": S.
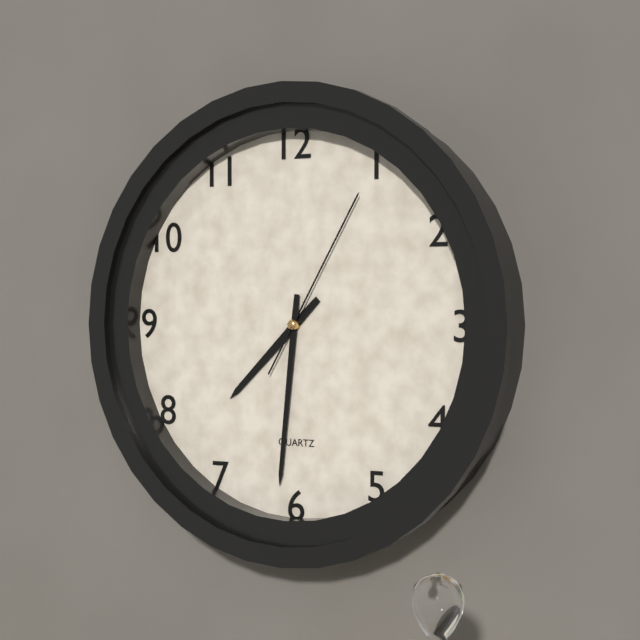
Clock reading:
{"hour": 7, "minute": 31, "second": 5}
